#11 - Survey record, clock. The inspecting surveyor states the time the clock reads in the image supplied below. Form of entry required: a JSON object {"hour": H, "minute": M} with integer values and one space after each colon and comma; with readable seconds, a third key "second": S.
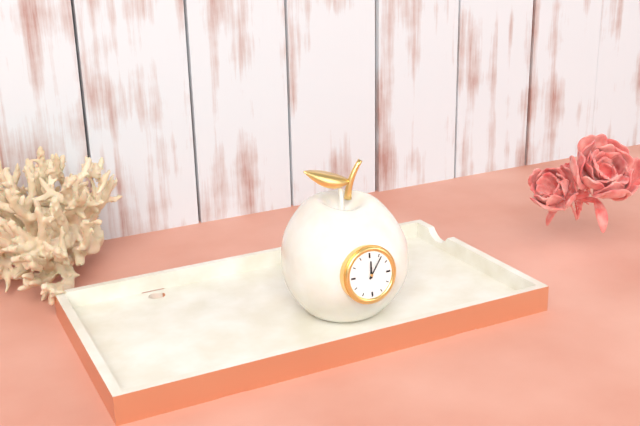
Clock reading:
{"hour": 12, "minute": 6}
